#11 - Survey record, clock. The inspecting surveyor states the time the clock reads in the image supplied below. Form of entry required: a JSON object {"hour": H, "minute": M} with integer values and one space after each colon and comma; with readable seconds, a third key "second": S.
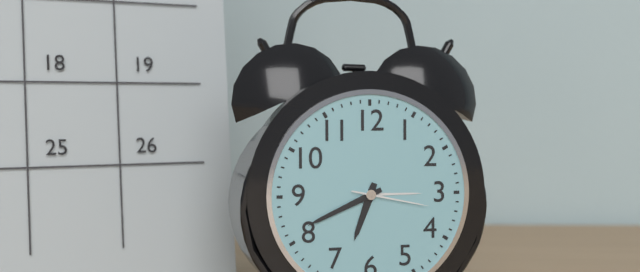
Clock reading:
{"hour": 6, "minute": 41, "second": 17}
